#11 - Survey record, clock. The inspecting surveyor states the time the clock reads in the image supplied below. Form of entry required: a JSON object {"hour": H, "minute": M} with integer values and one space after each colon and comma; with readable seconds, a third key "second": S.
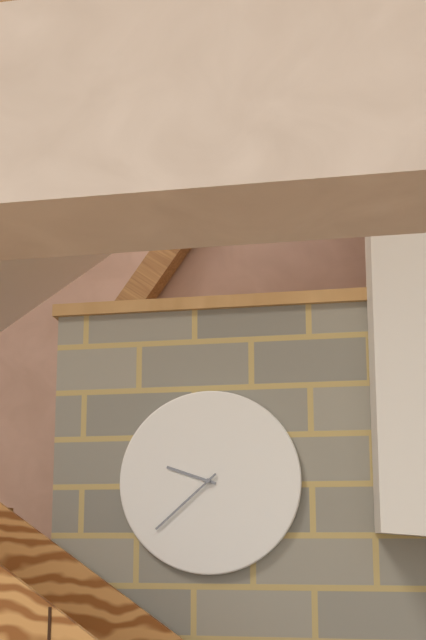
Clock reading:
{"hour": 9, "minute": 38}
